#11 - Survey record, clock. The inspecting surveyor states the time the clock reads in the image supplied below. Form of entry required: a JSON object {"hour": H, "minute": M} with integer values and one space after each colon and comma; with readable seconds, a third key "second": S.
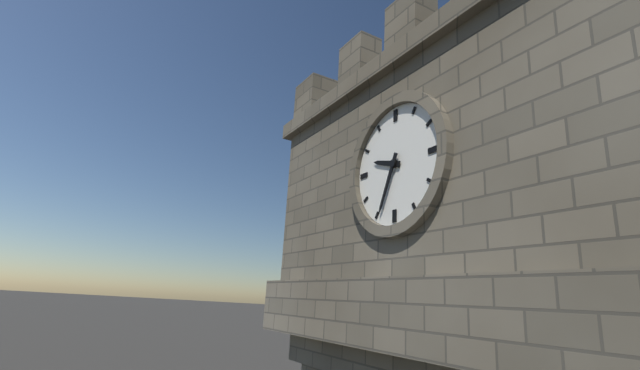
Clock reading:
{"hour": 9, "minute": 34}
